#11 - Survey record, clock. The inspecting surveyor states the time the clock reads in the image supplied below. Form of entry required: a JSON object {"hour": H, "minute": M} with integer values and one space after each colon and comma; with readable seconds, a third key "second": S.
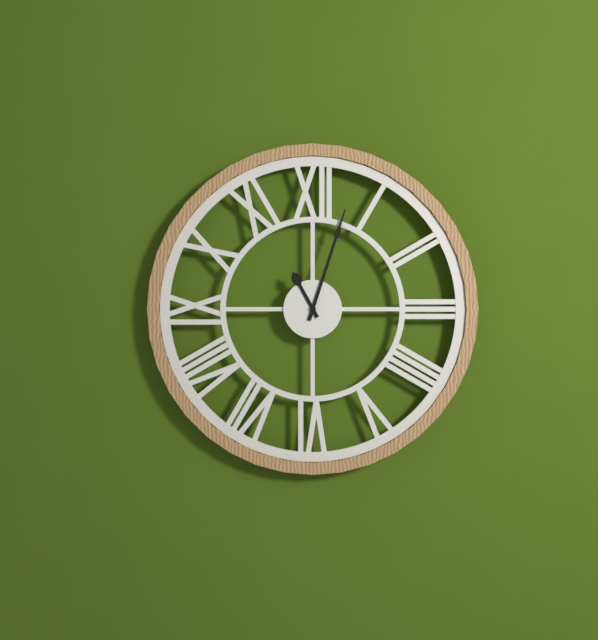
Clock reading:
{"hour": 11, "minute": 3}
